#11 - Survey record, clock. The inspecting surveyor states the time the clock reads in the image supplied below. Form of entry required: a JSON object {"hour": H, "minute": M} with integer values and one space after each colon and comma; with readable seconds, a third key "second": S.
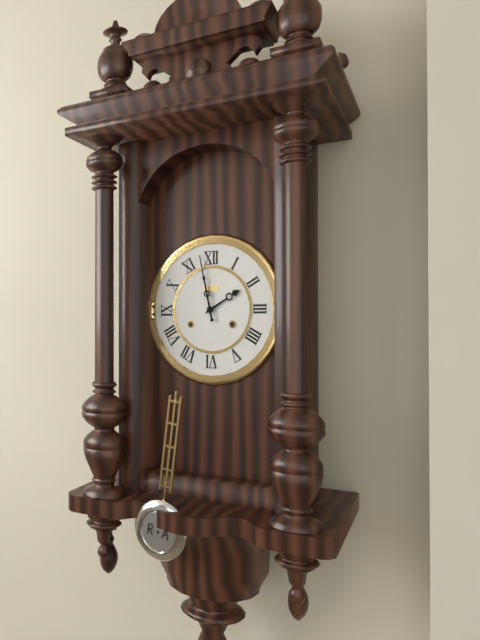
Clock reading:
{"hour": 1, "minute": 58}
